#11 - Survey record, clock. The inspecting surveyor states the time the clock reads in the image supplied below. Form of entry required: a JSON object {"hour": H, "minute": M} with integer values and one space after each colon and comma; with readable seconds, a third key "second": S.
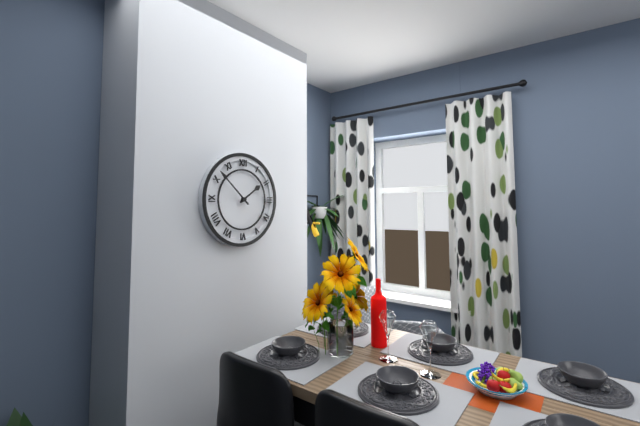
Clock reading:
{"hour": 1, "minute": 52}
